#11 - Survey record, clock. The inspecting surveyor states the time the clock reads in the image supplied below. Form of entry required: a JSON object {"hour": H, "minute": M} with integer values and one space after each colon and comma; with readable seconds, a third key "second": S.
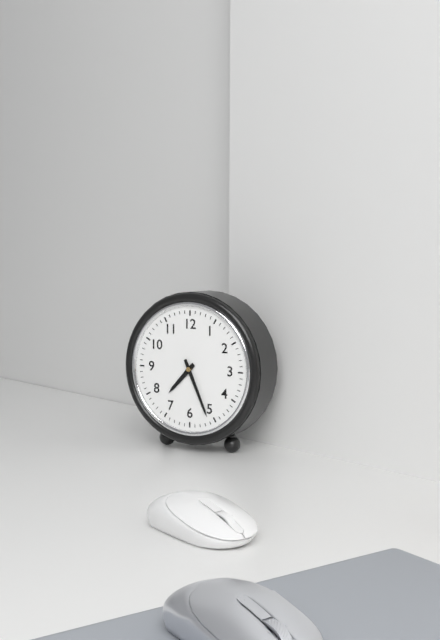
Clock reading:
{"hour": 7, "minute": 26}
